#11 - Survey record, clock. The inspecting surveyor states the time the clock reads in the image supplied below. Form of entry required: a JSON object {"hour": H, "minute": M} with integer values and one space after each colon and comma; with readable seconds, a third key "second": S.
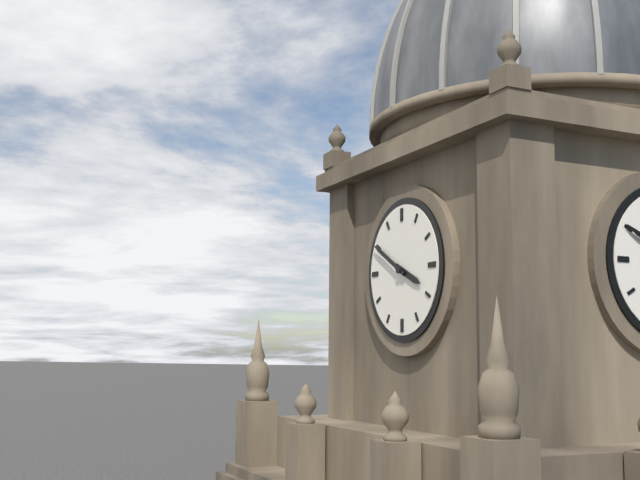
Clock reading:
{"hour": 3, "minute": 50}
